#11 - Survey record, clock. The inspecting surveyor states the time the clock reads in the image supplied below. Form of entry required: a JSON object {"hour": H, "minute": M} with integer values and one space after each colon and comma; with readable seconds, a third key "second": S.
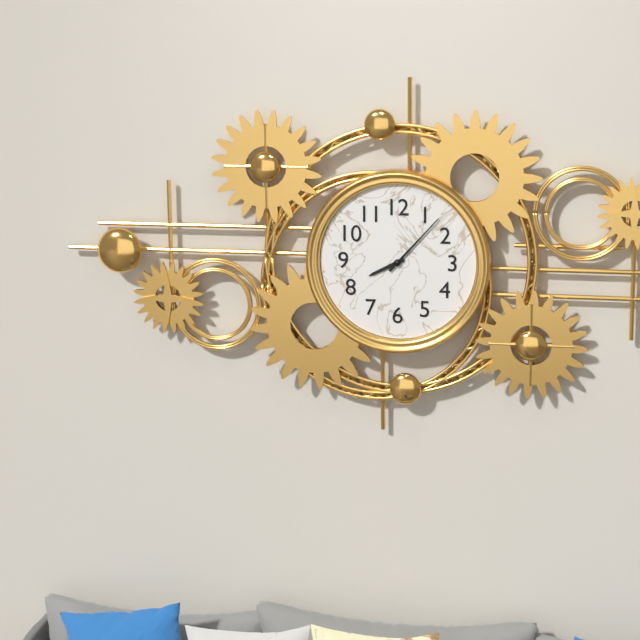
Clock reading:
{"hour": 8, "minute": 7}
